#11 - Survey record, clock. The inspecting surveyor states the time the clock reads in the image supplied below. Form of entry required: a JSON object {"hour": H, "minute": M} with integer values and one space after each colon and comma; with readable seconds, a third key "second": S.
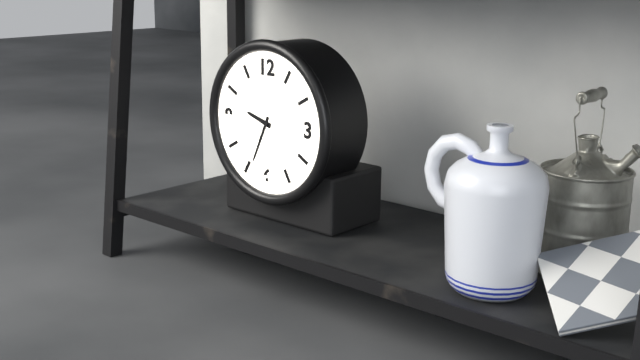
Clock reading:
{"hour": 9, "minute": 34}
